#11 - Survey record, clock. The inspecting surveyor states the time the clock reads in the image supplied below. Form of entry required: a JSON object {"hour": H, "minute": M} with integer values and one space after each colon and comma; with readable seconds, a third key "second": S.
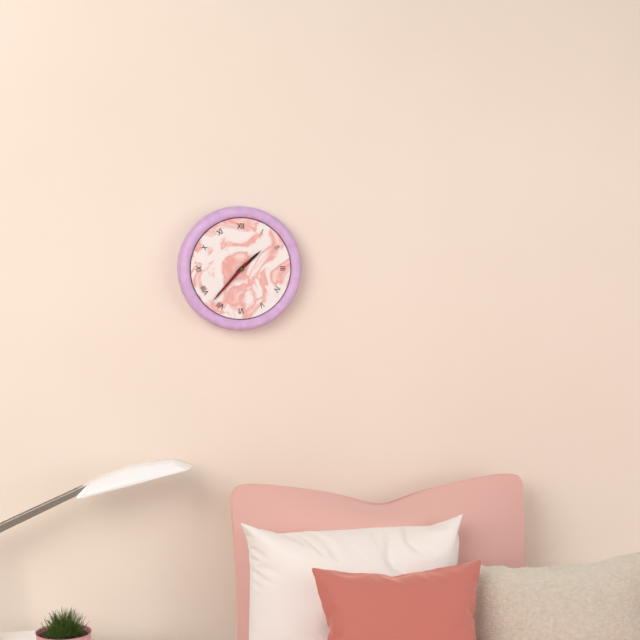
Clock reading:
{"hour": 1, "minute": 37, "second": 37}
